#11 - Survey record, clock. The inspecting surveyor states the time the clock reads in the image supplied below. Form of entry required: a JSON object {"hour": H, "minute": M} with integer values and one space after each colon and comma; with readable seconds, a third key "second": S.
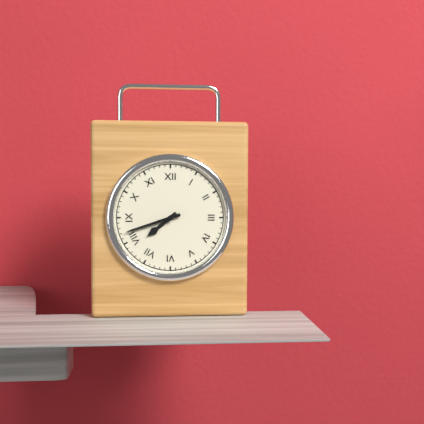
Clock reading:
{"hour": 7, "minute": 42}
